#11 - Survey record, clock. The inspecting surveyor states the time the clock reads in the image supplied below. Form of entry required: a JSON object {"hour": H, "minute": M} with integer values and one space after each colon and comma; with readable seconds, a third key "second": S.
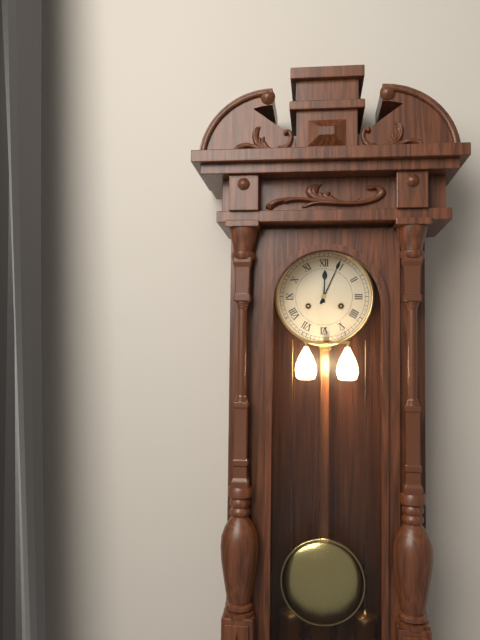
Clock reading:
{"hour": 12, "minute": 4}
